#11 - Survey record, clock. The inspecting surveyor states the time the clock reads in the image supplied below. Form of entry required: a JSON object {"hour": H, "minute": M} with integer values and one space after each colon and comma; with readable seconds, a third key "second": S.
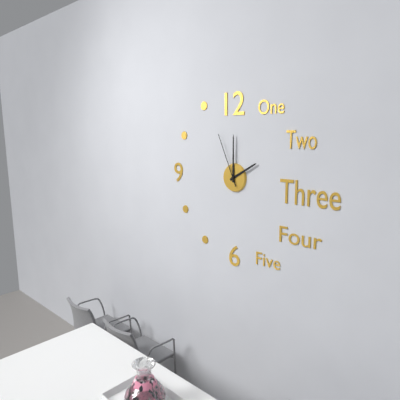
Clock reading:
{"hour": 2, "minute": 0, "second": 56}
